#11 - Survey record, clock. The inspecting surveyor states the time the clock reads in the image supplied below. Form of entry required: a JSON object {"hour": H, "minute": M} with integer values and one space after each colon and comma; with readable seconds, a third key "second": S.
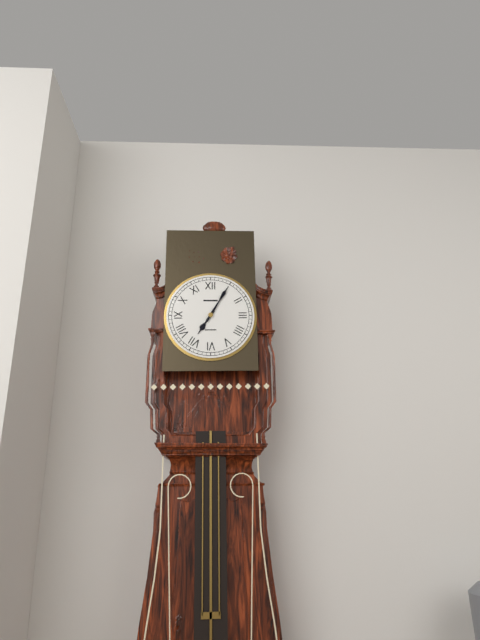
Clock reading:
{"hour": 7, "minute": 5}
